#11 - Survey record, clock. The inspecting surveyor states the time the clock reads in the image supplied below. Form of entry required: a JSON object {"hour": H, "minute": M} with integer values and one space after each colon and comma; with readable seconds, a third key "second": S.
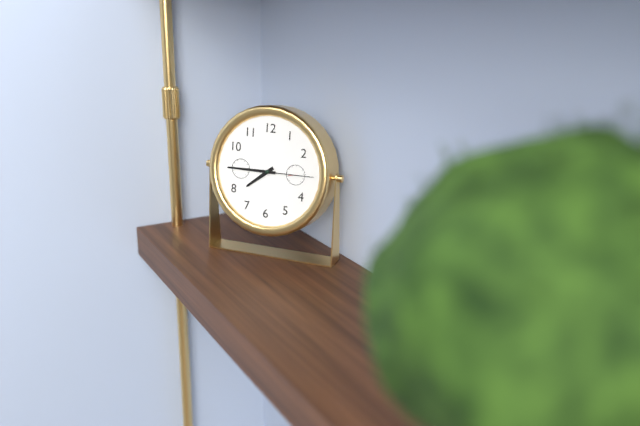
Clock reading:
{"hour": 7, "minute": 45, "second": 15}
